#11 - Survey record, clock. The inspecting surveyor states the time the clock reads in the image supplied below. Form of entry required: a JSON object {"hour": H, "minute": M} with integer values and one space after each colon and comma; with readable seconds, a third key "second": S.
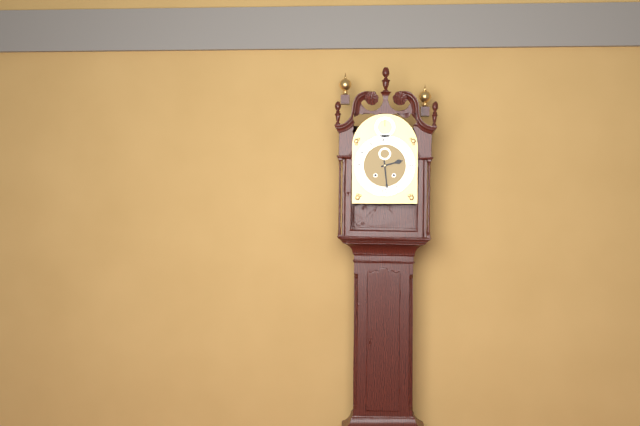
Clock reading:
{"hour": 2, "minute": 29}
